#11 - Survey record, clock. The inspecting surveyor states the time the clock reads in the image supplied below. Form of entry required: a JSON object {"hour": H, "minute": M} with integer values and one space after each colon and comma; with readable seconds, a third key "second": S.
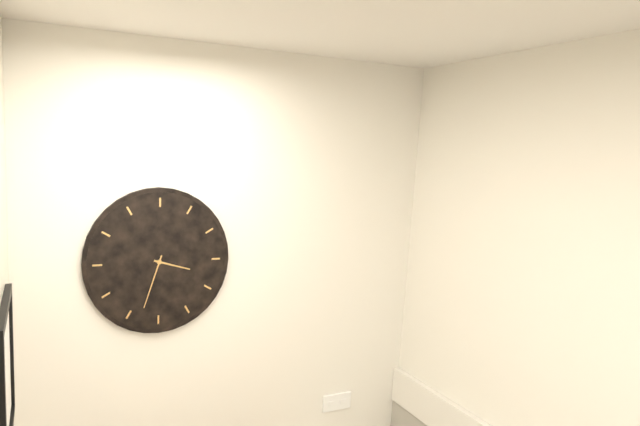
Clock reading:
{"hour": 3, "minute": 33}
